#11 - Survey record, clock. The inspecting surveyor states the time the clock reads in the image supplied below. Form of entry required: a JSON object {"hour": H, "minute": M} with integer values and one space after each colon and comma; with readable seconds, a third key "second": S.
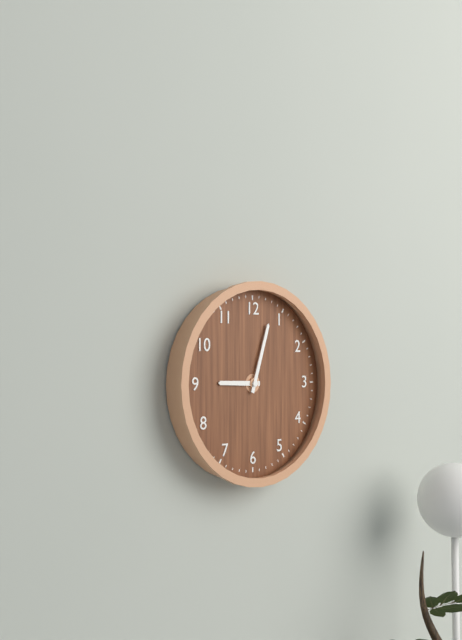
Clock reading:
{"hour": 9, "minute": 3}
